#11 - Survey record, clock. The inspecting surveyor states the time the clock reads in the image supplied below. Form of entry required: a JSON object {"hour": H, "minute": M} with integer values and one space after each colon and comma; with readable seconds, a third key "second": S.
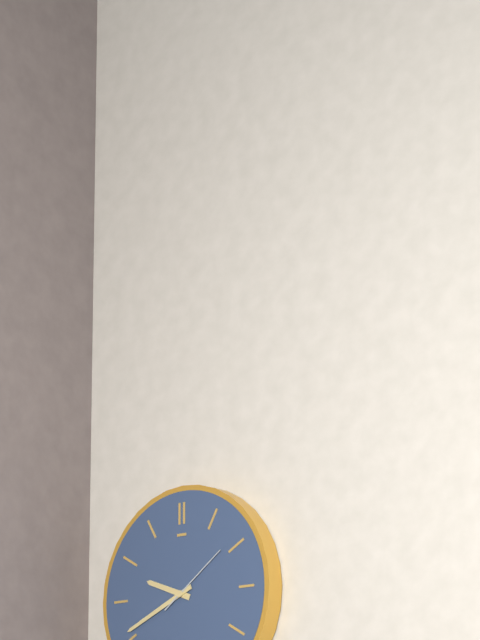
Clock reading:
{"hour": 9, "minute": 41, "second": 9}
